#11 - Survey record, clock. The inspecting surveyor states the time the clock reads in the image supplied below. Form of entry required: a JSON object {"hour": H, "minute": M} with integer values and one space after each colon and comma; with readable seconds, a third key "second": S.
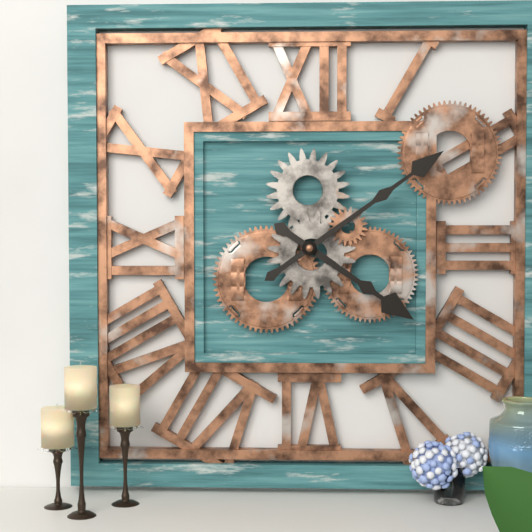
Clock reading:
{"hour": 4, "minute": 9}
